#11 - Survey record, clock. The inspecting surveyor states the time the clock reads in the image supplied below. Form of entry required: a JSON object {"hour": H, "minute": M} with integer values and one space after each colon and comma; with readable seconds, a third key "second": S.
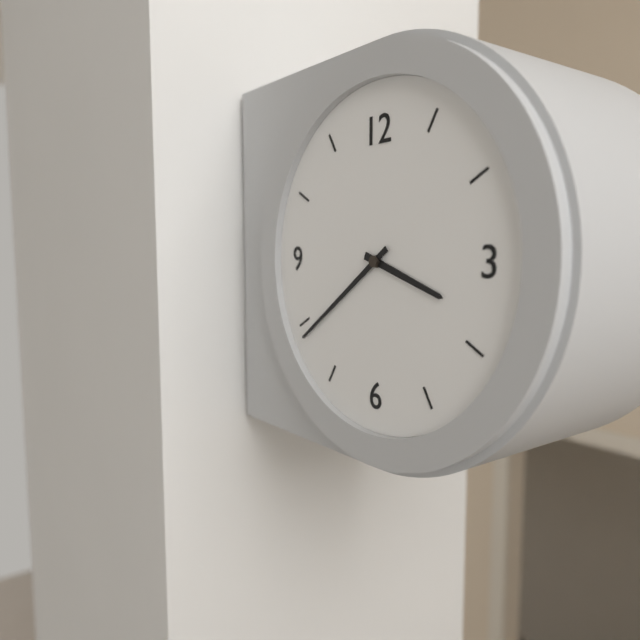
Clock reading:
{"hour": 3, "minute": 39}
